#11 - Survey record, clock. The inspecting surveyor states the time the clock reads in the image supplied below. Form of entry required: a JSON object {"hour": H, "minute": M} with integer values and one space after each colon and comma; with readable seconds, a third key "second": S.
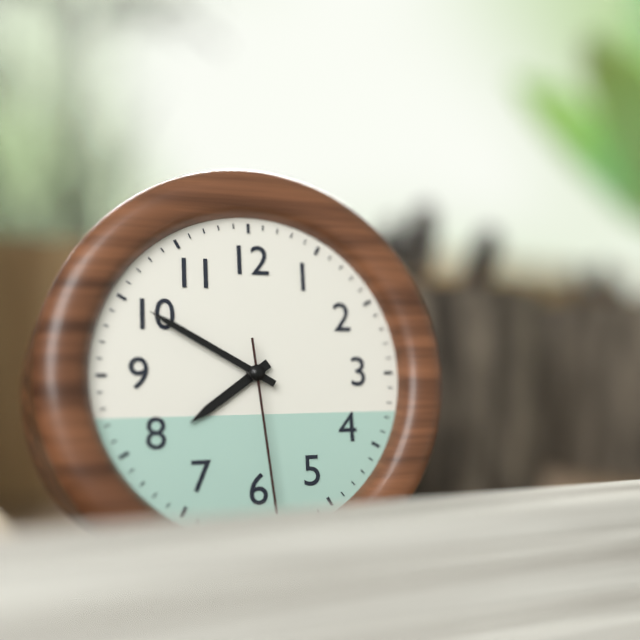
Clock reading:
{"hour": 7, "minute": 50, "second": 29}
